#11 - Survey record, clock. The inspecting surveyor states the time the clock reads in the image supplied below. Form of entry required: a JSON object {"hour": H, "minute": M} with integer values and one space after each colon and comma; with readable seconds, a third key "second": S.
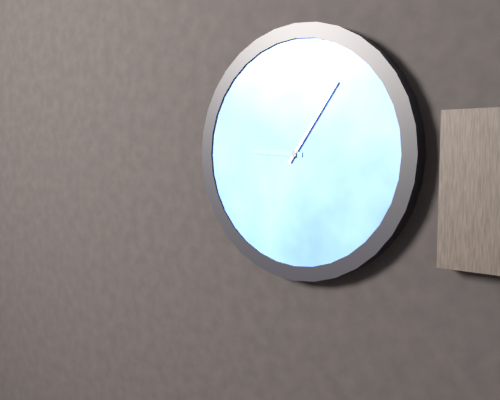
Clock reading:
{"hour": 9, "minute": 6}
